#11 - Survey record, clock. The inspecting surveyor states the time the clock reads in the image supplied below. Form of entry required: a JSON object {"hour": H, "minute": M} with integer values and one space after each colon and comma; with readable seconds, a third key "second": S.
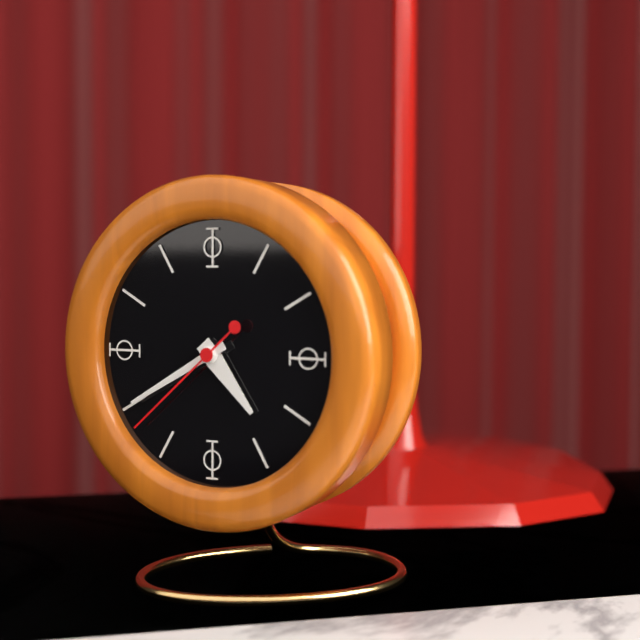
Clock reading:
{"hour": 4, "minute": 40, "second": 38}
